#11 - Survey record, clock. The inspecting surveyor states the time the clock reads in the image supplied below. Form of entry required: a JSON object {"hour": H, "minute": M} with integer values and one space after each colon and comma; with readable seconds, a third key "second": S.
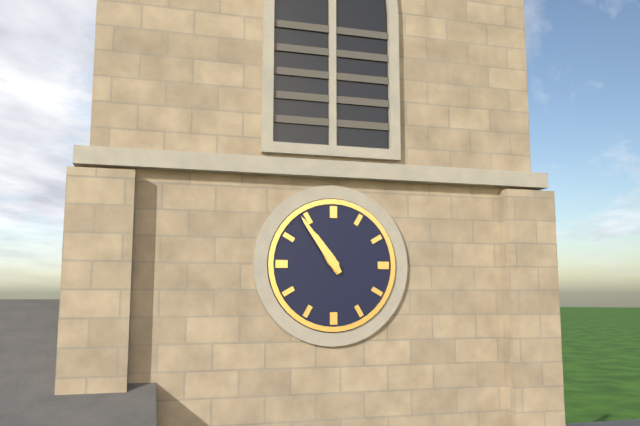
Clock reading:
{"hour": 10, "minute": 54}
